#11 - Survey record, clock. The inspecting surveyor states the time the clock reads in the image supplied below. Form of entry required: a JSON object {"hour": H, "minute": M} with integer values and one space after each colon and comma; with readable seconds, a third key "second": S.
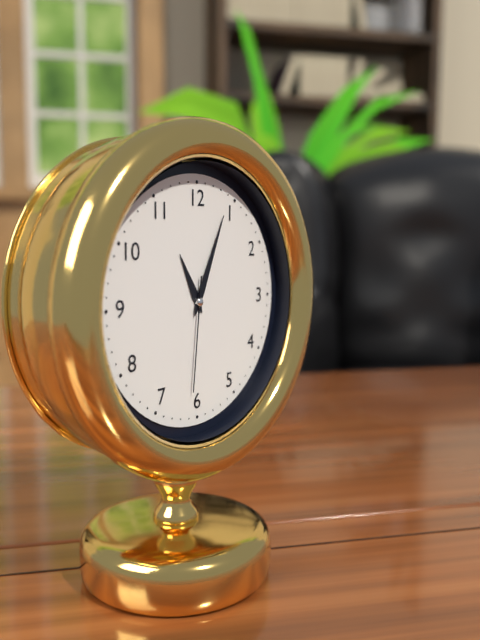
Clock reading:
{"hour": 11, "minute": 4, "second": 31}
